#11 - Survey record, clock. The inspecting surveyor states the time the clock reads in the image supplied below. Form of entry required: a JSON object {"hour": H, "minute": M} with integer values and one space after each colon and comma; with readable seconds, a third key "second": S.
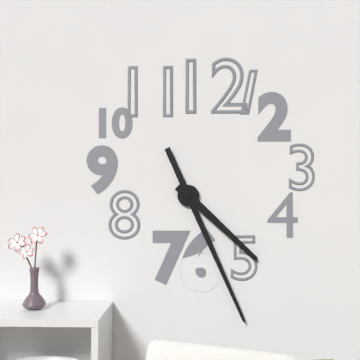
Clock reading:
{"hour": 4, "minute": 26}
